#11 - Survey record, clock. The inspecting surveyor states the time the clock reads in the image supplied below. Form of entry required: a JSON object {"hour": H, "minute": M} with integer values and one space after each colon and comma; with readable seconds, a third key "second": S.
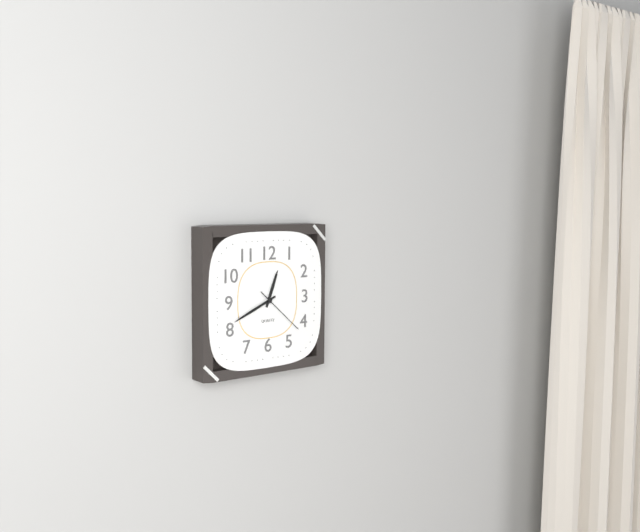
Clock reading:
{"hour": 12, "minute": 41, "second": 22}
